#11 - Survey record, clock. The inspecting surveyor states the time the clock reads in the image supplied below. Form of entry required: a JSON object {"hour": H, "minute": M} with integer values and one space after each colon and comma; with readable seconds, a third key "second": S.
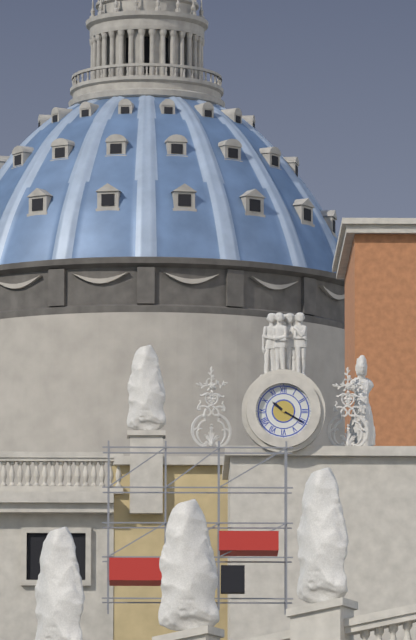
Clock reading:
{"hour": 10, "minute": 20}
